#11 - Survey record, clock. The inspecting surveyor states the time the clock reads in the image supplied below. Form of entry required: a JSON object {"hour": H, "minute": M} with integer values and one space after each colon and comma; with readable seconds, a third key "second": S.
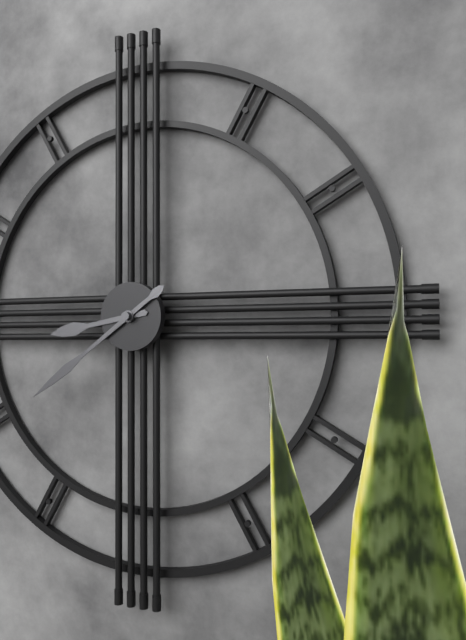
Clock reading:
{"hour": 8, "minute": 39}
